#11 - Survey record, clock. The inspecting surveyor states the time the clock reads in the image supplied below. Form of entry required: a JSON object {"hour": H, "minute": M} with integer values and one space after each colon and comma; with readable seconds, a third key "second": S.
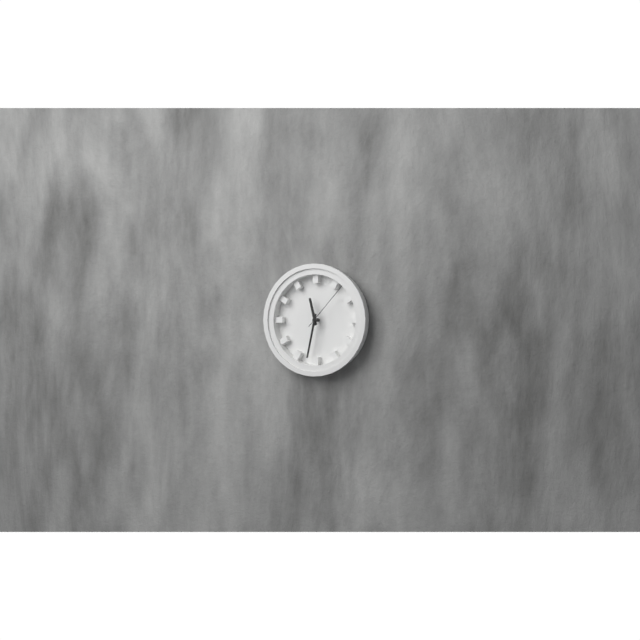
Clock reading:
{"hour": 11, "minute": 32, "second": 7}
